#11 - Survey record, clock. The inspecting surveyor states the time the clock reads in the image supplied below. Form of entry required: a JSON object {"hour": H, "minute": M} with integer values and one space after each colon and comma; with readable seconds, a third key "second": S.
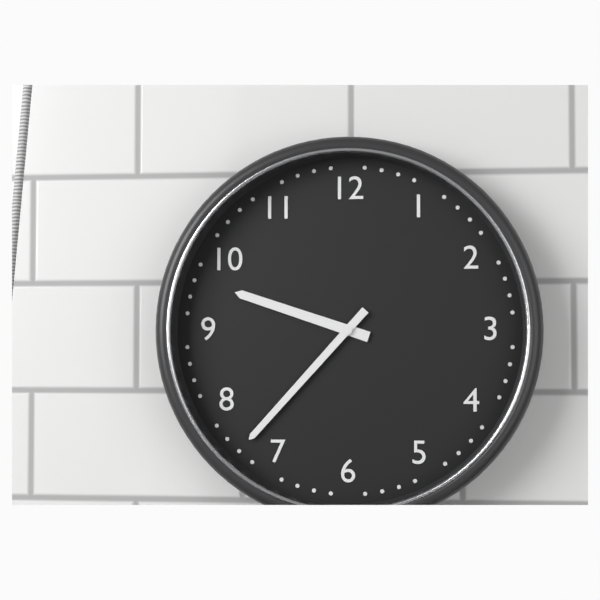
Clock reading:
{"hour": 9, "minute": 37}
